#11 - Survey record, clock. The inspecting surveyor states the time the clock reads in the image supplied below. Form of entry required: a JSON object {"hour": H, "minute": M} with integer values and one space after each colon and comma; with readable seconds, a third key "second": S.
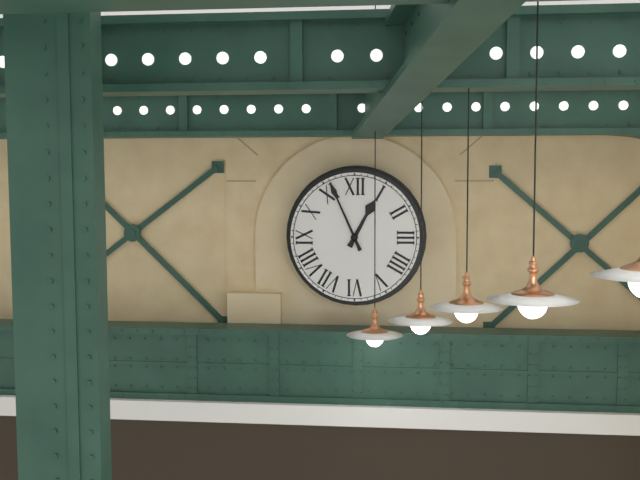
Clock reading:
{"hour": 12, "minute": 56}
